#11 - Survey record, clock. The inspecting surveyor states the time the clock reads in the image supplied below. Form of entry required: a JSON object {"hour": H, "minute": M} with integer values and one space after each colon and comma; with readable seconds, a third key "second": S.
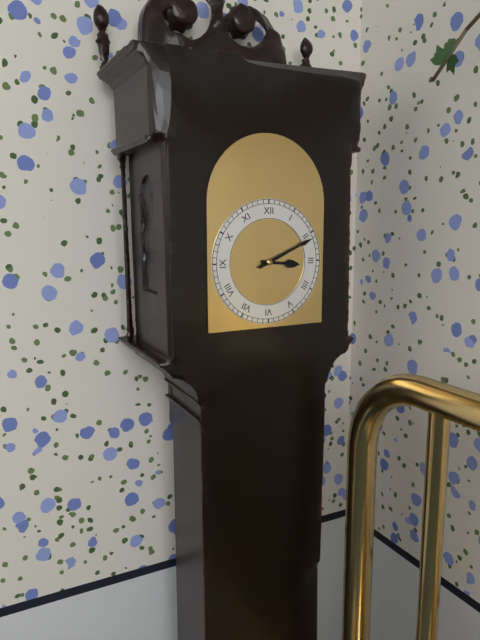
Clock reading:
{"hour": 3, "minute": 11}
